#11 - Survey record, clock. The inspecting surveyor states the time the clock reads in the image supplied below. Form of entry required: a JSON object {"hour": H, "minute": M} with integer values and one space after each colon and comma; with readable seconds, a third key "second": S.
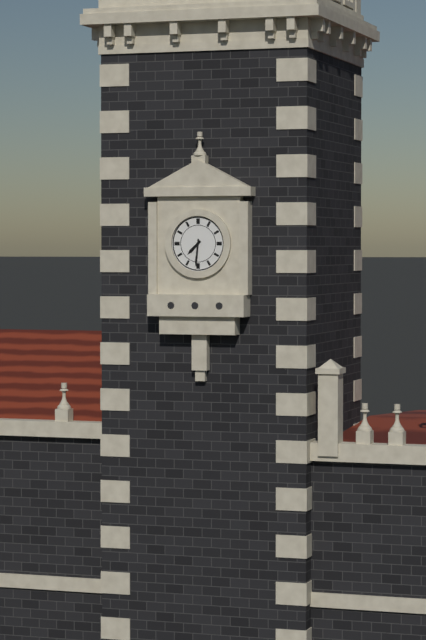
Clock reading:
{"hour": 7, "minute": 31}
